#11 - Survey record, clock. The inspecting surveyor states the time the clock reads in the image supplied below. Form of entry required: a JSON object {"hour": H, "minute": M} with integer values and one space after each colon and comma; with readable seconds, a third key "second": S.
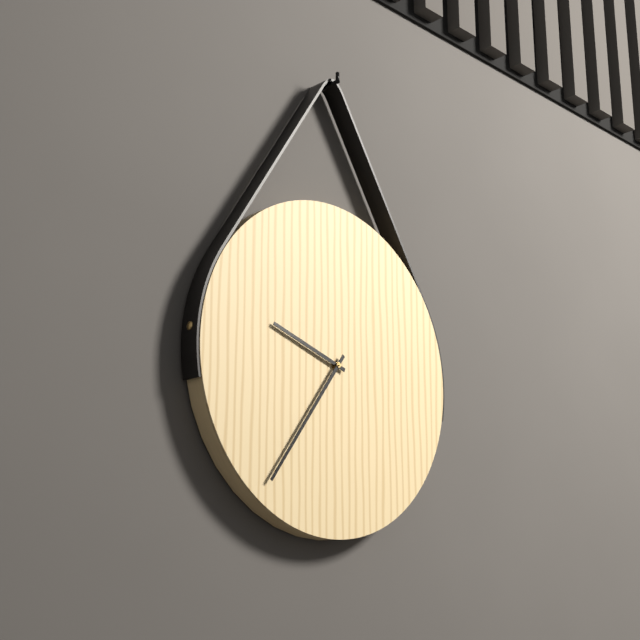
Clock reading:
{"hour": 9, "minute": 36}
